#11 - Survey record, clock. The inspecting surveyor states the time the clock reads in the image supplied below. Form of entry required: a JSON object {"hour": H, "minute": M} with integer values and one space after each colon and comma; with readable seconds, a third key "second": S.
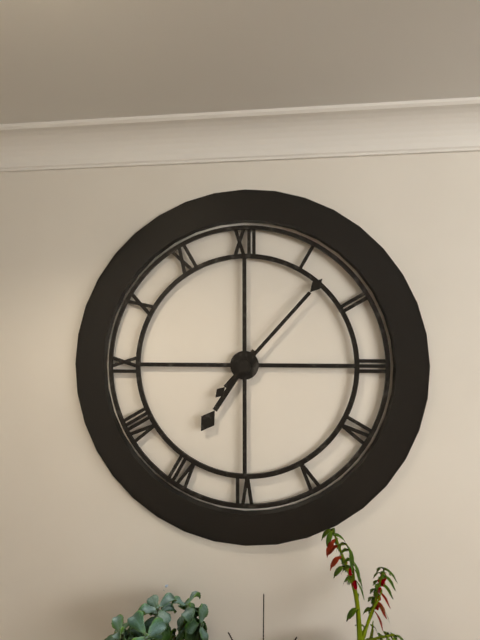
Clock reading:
{"hour": 7, "minute": 7}
